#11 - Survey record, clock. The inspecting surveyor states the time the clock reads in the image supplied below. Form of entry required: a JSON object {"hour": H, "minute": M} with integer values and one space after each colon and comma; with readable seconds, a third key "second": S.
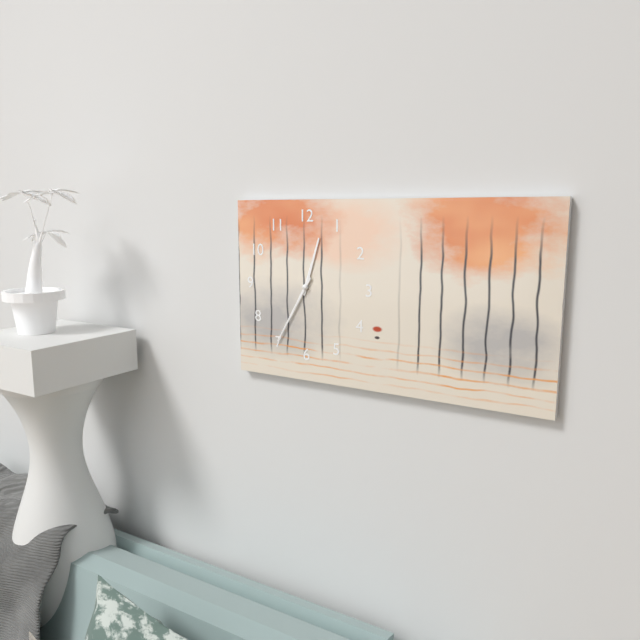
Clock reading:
{"hour": 12, "minute": 35}
